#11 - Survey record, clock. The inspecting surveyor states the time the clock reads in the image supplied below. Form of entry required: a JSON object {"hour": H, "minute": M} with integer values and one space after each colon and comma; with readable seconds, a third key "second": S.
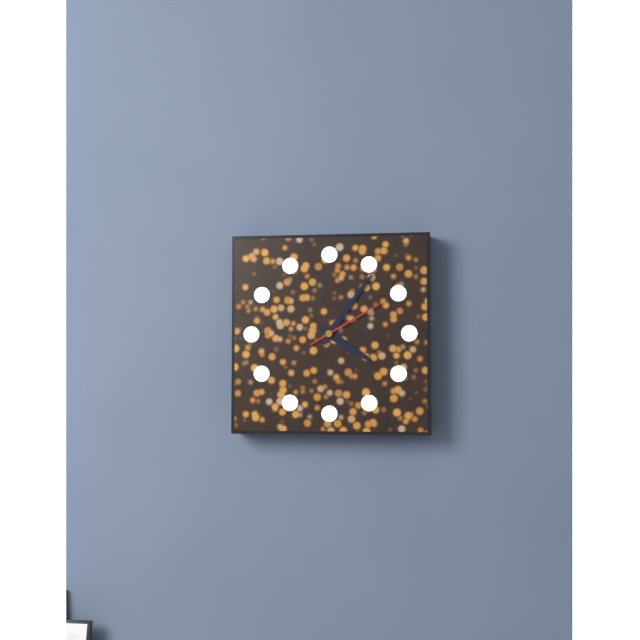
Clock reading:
{"hour": 4, "minute": 6, "second": 10}
